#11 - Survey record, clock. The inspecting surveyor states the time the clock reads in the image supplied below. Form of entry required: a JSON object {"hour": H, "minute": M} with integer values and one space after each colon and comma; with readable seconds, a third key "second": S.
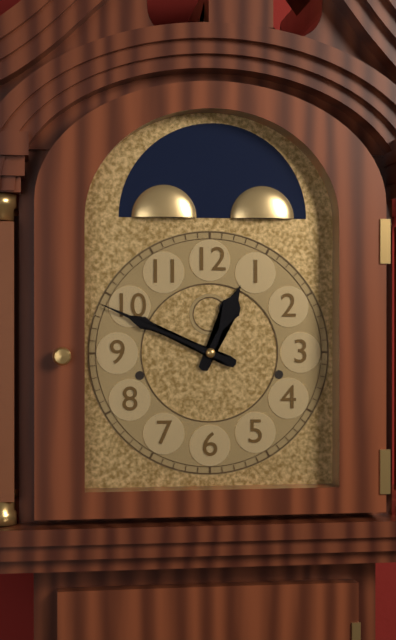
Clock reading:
{"hour": 12, "minute": 49}
